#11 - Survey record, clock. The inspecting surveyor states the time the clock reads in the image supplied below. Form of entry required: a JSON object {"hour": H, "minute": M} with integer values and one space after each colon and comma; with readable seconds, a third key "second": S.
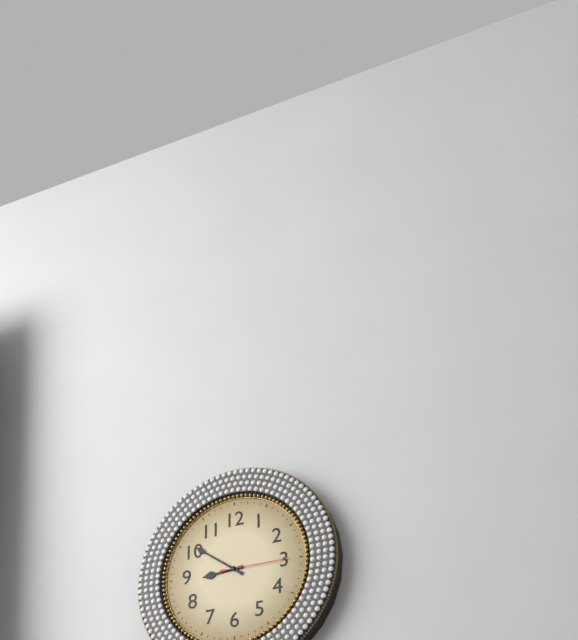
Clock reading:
{"hour": 8, "minute": 51, "second": 15}
